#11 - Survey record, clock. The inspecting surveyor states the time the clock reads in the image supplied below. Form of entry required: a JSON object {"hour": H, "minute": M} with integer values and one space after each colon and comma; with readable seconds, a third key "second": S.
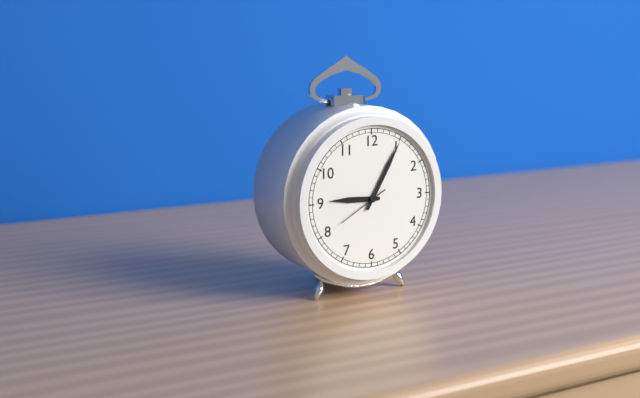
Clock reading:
{"hour": 9, "minute": 5}
